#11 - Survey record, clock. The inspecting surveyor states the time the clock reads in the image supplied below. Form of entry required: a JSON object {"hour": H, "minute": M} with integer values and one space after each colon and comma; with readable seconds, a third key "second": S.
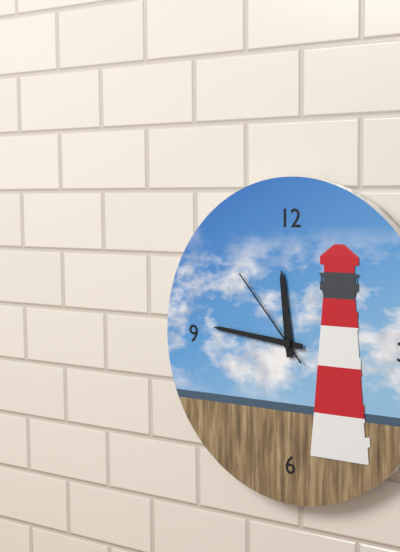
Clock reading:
{"hour": 11, "minute": 46, "second": 53}
